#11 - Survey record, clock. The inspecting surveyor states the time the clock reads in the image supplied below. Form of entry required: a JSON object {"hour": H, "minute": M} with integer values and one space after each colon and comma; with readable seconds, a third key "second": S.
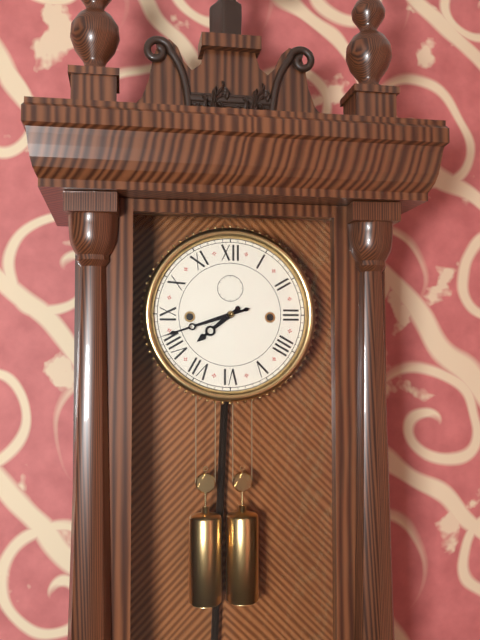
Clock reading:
{"hour": 7, "minute": 42}
